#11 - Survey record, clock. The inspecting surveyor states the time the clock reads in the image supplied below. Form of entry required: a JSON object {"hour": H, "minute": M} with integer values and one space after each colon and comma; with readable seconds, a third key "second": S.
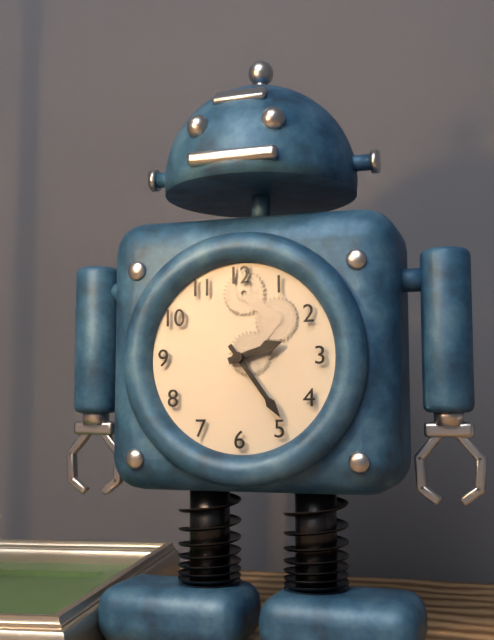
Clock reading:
{"hour": 2, "minute": 24}
